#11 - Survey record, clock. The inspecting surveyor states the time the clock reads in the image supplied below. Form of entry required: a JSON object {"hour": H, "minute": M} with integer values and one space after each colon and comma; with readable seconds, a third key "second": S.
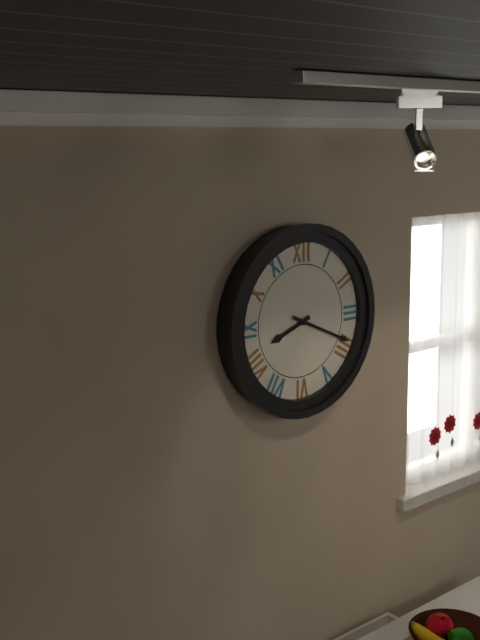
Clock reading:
{"hour": 8, "minute": 19}
